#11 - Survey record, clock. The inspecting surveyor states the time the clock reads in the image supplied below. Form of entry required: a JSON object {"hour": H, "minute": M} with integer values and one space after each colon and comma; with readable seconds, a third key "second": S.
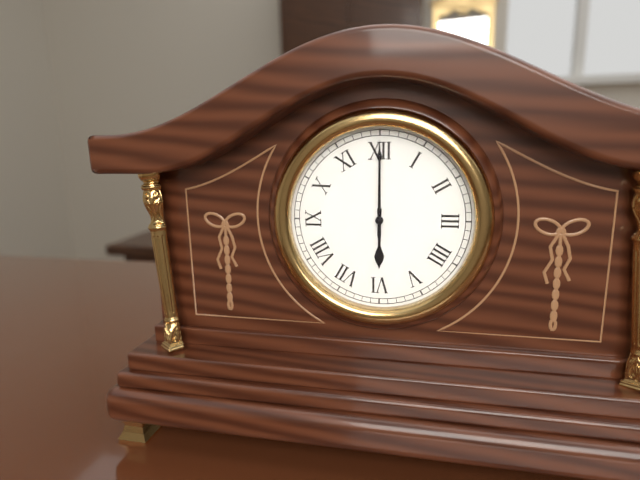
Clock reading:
{"hour": 6, "minute": 0}
